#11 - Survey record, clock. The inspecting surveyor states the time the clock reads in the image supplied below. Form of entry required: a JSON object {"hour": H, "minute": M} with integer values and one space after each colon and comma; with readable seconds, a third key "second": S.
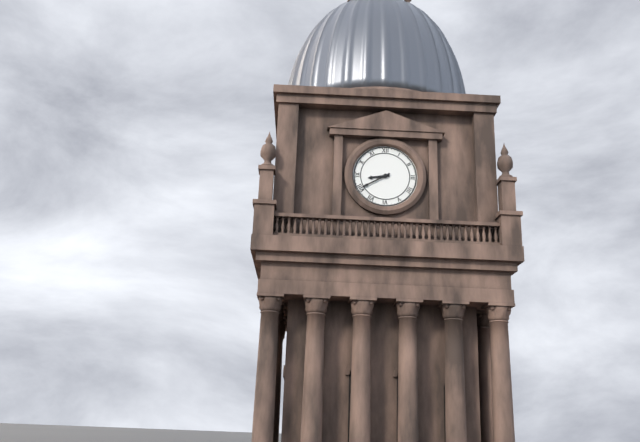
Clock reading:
{"hour": 8, "minute": 40}
